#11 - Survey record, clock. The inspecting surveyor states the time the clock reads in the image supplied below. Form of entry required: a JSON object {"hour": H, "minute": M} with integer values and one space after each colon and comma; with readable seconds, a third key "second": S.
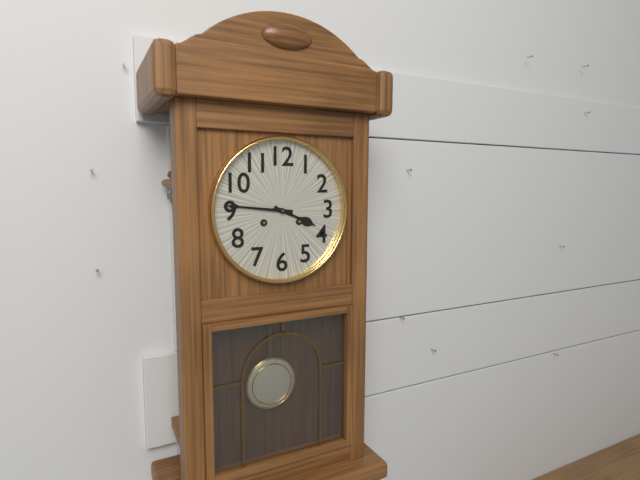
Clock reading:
{"hour": 3, "minute": 46}
